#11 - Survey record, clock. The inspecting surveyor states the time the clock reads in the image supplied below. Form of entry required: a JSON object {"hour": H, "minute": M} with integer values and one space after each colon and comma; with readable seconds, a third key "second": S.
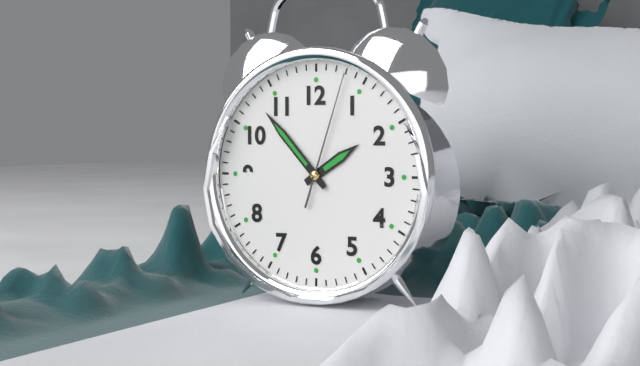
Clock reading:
{"hour": 1, "minute": 53, "second": 3}
